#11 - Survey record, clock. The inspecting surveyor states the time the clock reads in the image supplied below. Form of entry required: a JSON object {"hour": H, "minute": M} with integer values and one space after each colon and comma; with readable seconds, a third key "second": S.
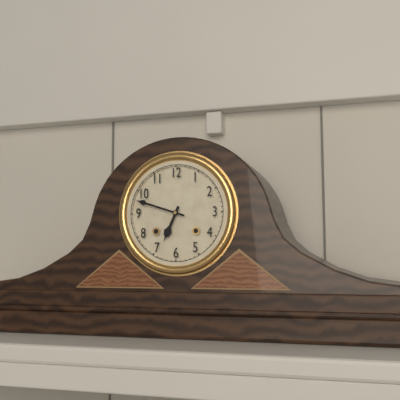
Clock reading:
{"hour": 6, "minute": 48}
